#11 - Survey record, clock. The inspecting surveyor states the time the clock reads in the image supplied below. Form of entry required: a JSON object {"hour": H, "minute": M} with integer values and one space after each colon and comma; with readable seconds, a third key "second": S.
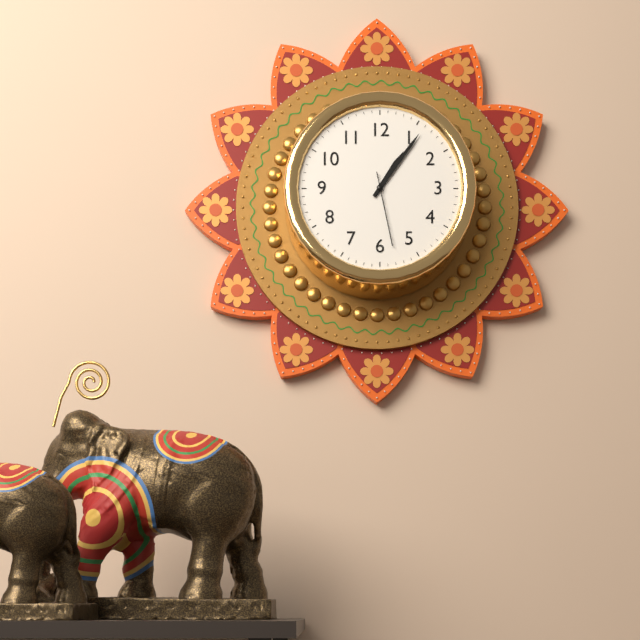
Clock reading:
{"hour": 1, "minute": 6}
